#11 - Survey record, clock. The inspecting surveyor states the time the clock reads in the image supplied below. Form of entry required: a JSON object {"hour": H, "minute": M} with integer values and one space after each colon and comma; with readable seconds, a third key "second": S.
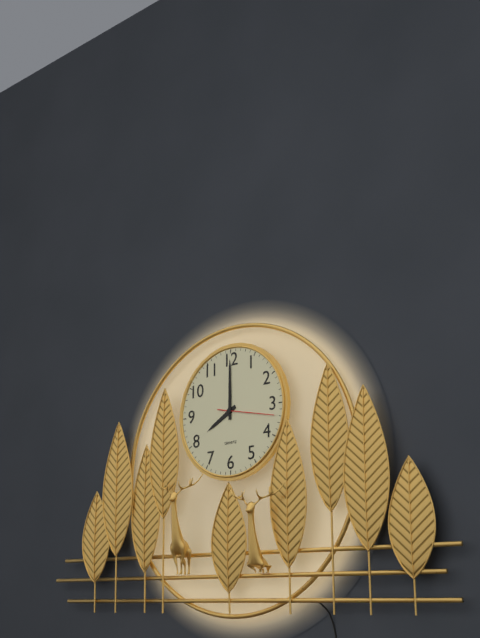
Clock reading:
{"hour": 8, "minute": 0, "second": 17}
